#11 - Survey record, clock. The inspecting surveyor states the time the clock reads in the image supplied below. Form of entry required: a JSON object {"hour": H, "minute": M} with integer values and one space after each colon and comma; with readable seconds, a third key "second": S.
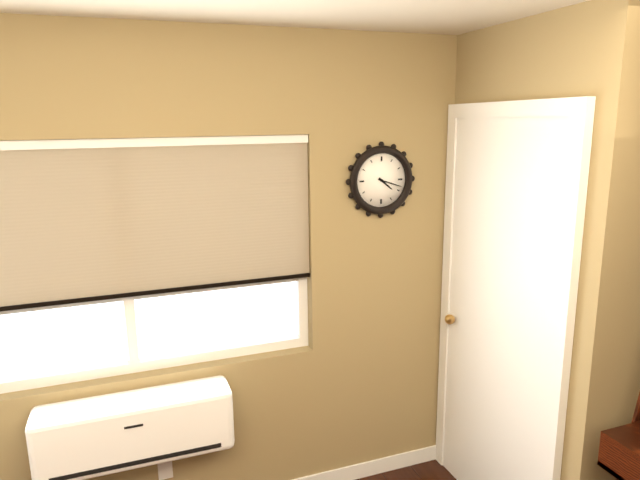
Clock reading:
{"hour": 4, "minute": 18}
